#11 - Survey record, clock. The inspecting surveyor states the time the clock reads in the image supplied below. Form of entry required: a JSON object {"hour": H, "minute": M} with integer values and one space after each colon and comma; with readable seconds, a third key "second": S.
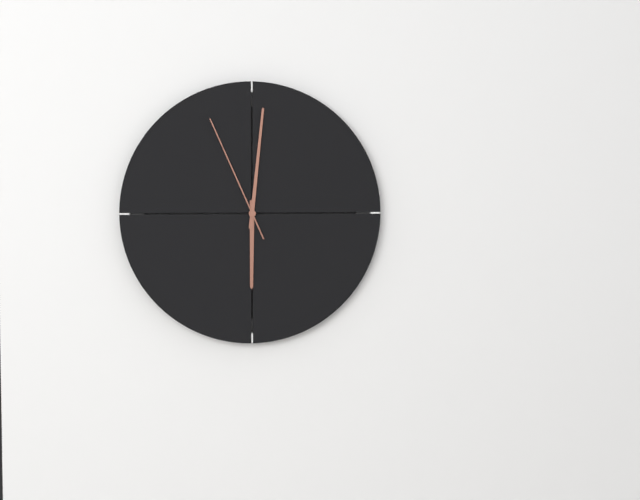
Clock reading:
{"hour": 6, "minute": 1, "second": 56}
